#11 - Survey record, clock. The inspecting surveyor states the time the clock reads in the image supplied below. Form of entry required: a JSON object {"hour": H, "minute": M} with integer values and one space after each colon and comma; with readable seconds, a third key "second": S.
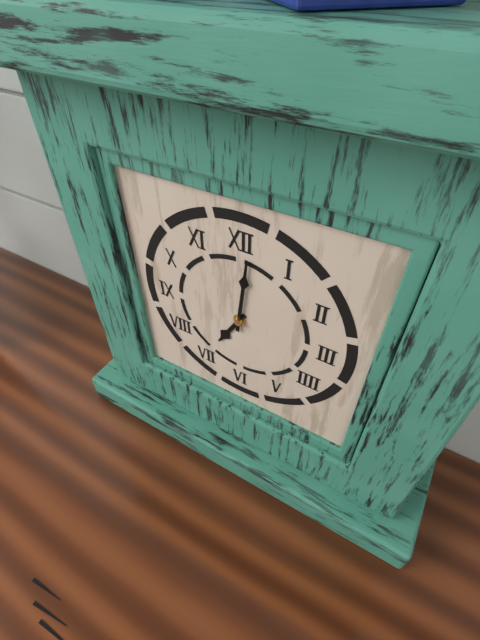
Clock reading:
{"hour": 7, "minute": 1}
